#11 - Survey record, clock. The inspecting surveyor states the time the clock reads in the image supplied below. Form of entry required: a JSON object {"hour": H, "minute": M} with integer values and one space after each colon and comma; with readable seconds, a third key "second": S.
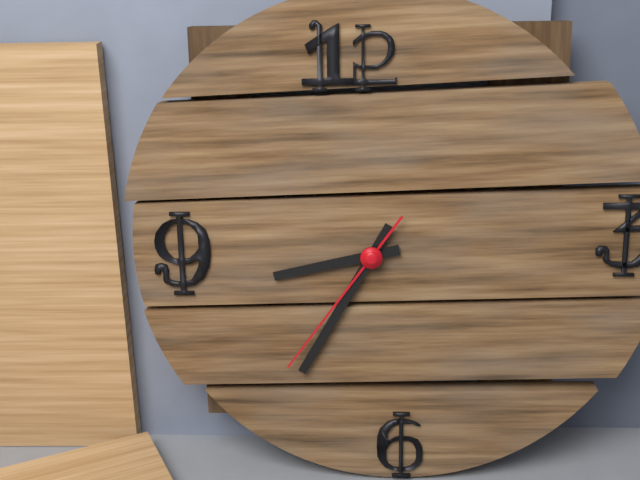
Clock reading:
{"hour": 8, "minute": 35, "second": 36}
